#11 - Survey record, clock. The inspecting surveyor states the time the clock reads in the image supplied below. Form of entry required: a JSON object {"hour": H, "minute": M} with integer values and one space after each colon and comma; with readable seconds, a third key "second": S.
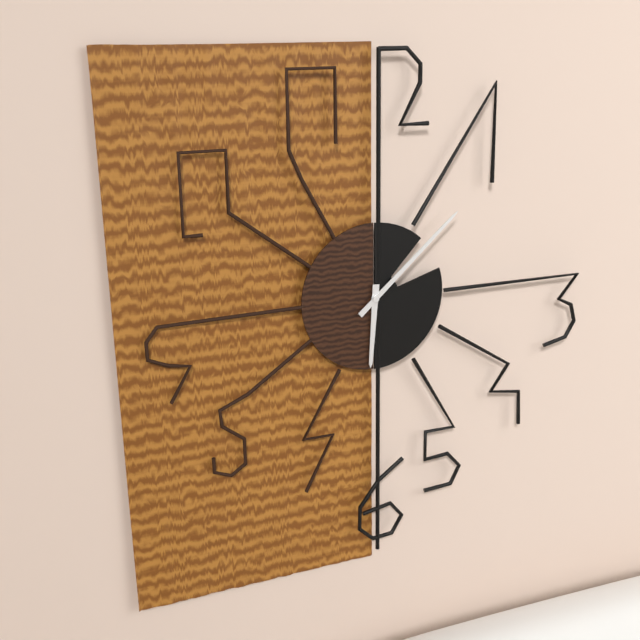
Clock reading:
{"hour": 6, "minute": 8}
